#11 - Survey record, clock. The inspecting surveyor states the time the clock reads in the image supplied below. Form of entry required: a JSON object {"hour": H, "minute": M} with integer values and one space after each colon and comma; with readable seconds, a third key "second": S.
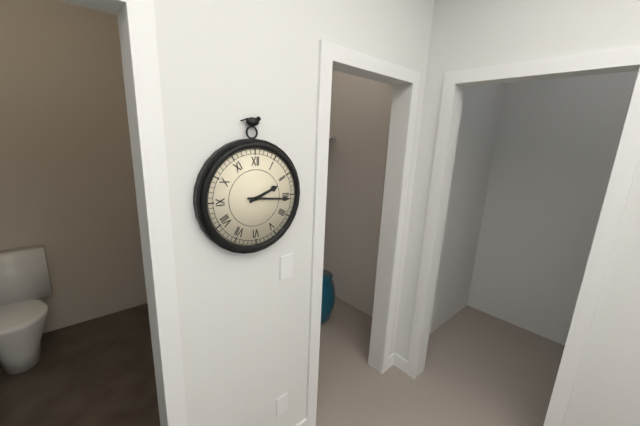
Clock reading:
{"hour": 2, "minute": 16}
